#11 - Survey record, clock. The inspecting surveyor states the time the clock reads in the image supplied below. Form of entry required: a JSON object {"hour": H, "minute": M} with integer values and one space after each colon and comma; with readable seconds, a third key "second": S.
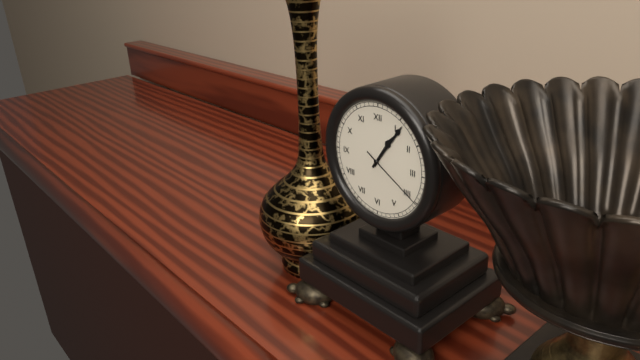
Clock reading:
{"hour": 1, "minute": 6, "second": 20}
